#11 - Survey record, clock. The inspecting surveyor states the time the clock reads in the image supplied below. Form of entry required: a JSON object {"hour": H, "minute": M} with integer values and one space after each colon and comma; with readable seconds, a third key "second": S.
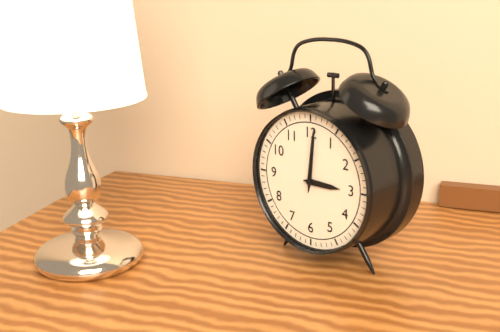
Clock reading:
{"hour": 3, "minute": 1}
